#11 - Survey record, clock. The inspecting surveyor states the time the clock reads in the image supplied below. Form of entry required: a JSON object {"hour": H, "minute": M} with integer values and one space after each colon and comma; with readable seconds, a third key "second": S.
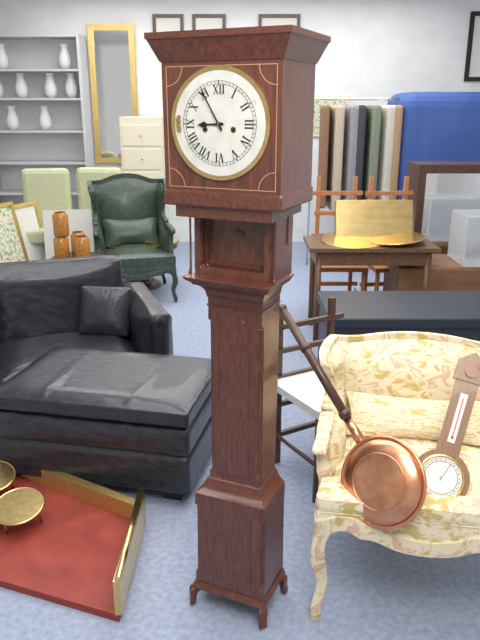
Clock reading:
{"hour": 8, "minute": 55}
